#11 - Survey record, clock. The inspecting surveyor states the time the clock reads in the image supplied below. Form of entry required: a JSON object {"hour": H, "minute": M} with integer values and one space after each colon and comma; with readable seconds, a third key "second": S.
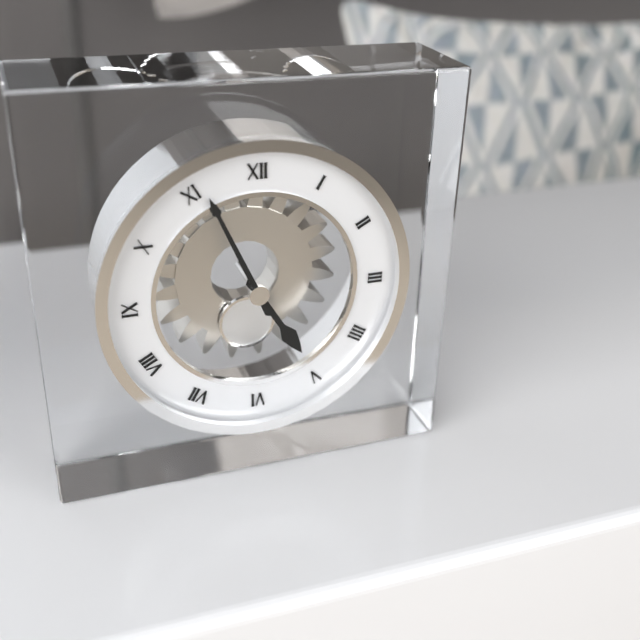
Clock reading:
{"hour": 4, "minute": 56}
